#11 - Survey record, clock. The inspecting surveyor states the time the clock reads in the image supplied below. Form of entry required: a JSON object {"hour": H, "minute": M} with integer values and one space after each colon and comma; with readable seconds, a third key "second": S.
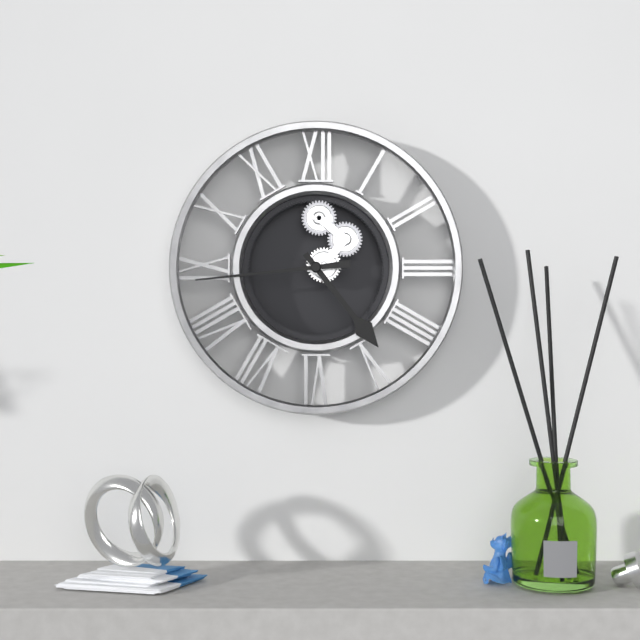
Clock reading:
{"hour": 4, "minute": 44}
